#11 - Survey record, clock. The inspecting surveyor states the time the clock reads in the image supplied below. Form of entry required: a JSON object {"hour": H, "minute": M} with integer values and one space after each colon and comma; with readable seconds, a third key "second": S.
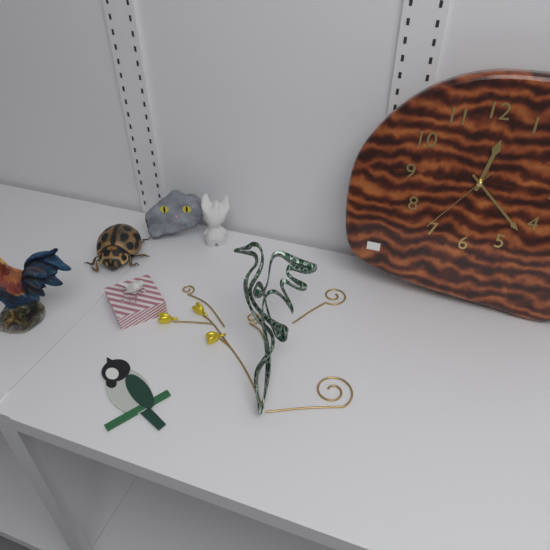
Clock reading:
{"hour": 12, "minute": 22, "second": 36}
